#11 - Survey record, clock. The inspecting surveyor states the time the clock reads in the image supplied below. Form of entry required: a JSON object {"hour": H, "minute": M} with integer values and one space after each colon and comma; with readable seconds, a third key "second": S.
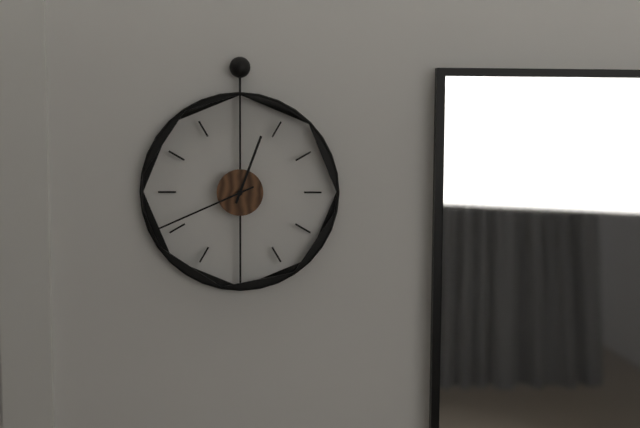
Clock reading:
{"hour": 12, "minute": 41}
